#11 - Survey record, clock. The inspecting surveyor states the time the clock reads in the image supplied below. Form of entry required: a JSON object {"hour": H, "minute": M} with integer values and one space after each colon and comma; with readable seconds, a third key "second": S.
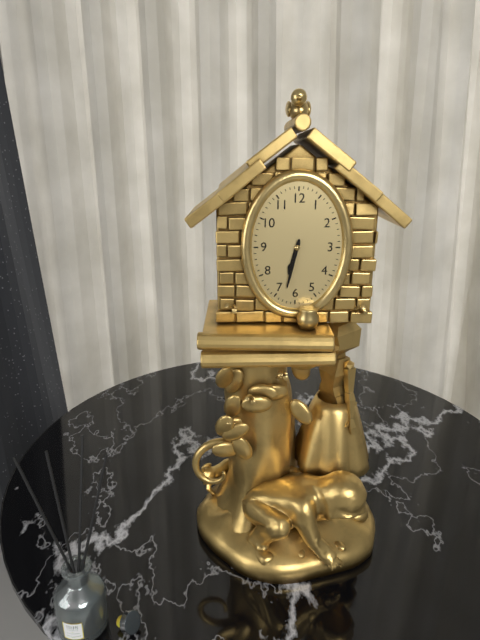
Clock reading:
{"hour": 6, "minute": 32}
